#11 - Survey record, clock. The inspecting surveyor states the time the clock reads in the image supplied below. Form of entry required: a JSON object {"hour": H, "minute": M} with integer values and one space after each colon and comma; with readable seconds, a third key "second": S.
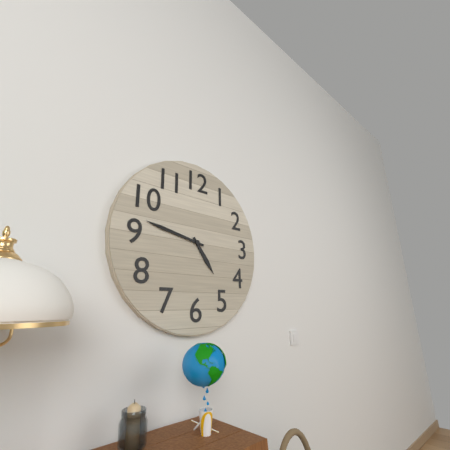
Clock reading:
{"hour": 4, "minute": 47}
